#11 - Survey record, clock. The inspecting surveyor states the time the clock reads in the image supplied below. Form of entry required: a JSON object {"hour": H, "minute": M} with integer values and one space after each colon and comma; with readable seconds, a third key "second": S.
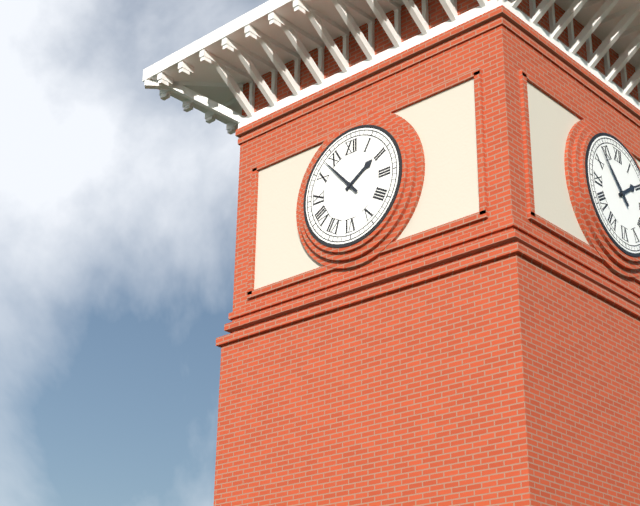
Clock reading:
{"hour": 1, "minute": 53}
